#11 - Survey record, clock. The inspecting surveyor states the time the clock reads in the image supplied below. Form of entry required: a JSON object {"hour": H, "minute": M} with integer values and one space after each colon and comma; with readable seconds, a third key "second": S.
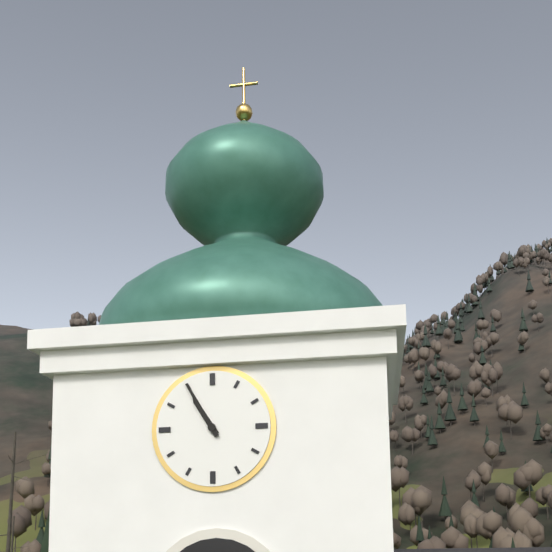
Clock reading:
{"hour": 10, "minute": 55}
